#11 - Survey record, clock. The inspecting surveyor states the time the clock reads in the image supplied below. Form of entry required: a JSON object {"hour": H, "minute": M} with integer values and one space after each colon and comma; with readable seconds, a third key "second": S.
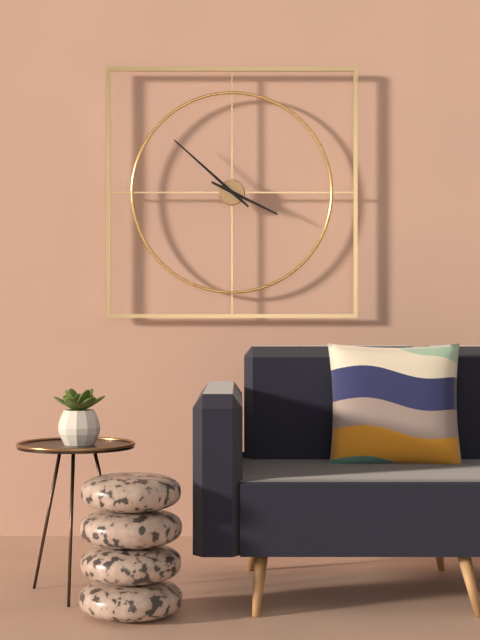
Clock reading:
{"hour": 3, "minute": 52}
